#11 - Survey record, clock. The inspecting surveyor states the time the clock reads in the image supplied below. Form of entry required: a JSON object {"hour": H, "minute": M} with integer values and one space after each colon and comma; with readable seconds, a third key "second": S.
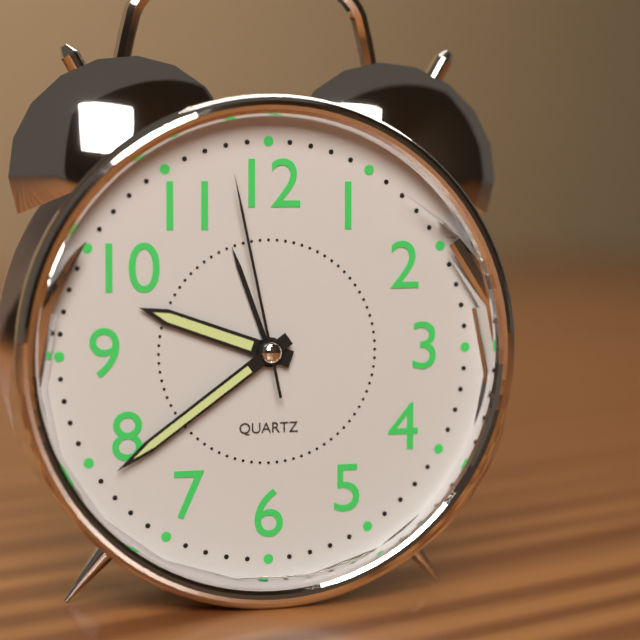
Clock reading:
{"hour": 9, "minute": 39, "second": 58}
